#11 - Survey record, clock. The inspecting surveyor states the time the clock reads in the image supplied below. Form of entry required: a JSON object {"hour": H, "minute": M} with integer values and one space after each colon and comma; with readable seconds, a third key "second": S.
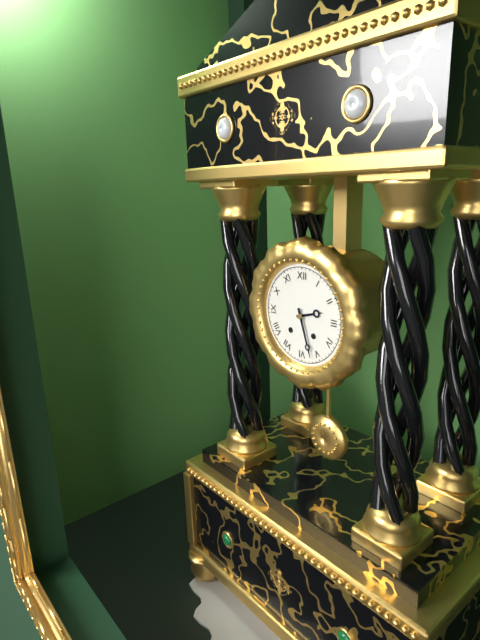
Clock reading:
{"hour": 2, "minute": 27}
